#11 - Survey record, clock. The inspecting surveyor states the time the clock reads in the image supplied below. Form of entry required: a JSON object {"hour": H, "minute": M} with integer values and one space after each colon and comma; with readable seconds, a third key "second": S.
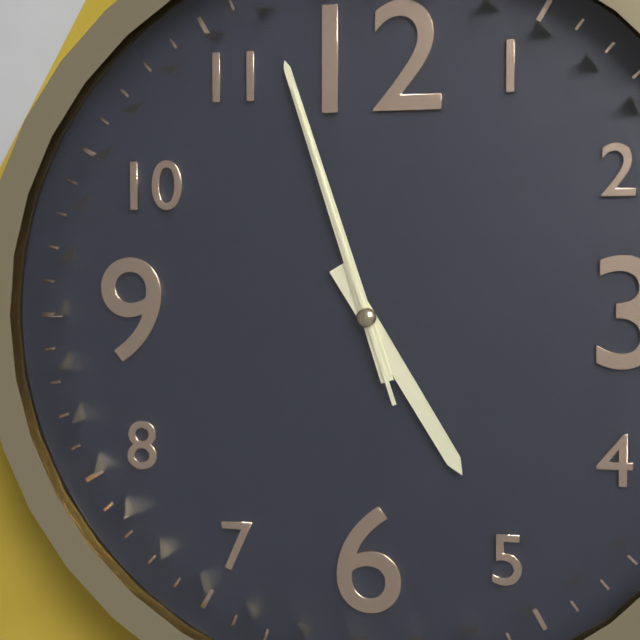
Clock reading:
{"hour": 4, "minute": 57, "second": 57}
